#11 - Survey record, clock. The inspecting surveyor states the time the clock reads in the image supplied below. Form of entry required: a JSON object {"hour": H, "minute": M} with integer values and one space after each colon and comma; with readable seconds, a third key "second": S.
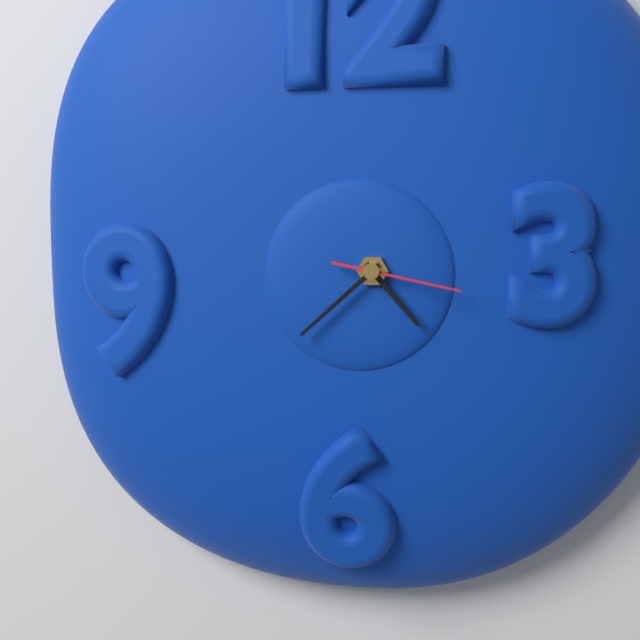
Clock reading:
{"hour": 4, "minute": 38, "second": 17}
